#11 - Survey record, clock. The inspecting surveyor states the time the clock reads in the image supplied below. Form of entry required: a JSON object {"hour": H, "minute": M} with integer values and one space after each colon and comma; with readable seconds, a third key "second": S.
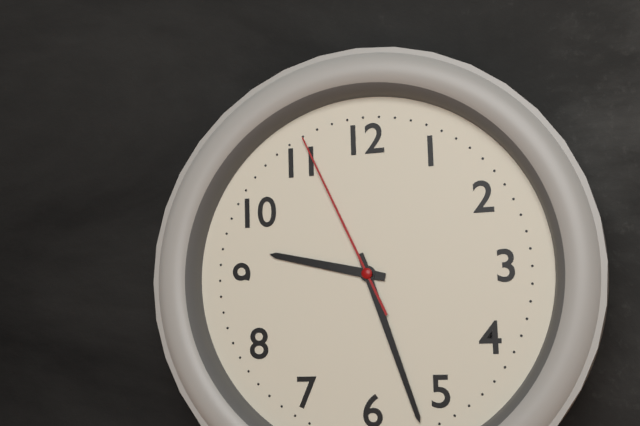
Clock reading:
{"hour": 9, "minute": 27, "second": 56}
